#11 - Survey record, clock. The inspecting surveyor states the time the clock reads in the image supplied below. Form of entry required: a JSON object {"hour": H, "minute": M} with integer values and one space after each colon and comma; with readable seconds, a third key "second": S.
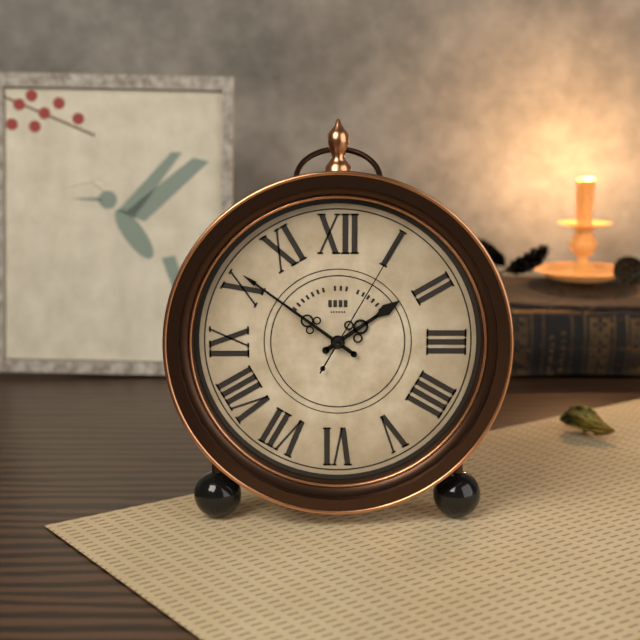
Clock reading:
{"hour": 1, "minute": 51, "second": 5}
